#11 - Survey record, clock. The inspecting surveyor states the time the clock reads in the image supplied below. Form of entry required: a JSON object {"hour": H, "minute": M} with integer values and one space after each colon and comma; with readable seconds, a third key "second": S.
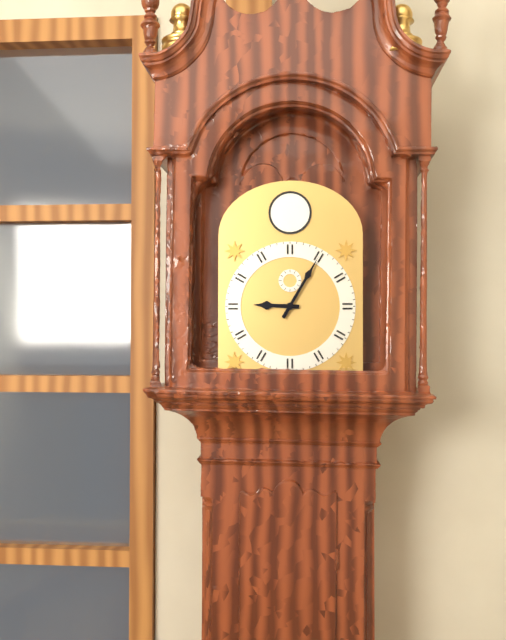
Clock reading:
{"hour": 9, "minute": 5}
